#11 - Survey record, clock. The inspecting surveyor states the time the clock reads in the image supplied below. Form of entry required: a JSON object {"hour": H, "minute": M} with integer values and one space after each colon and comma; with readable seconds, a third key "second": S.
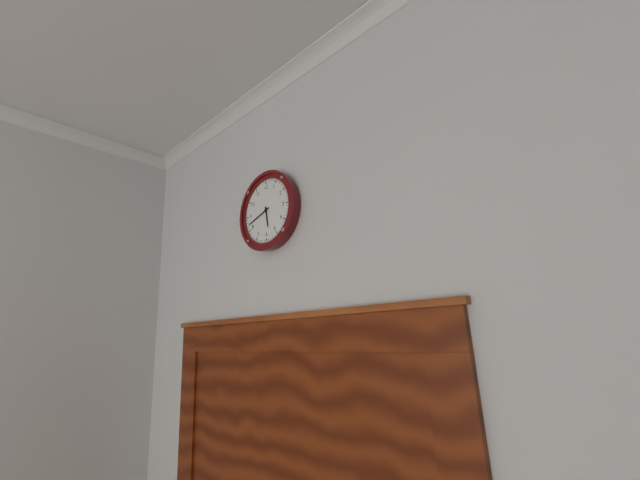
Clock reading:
{"hour": 5, "minute": 42}
